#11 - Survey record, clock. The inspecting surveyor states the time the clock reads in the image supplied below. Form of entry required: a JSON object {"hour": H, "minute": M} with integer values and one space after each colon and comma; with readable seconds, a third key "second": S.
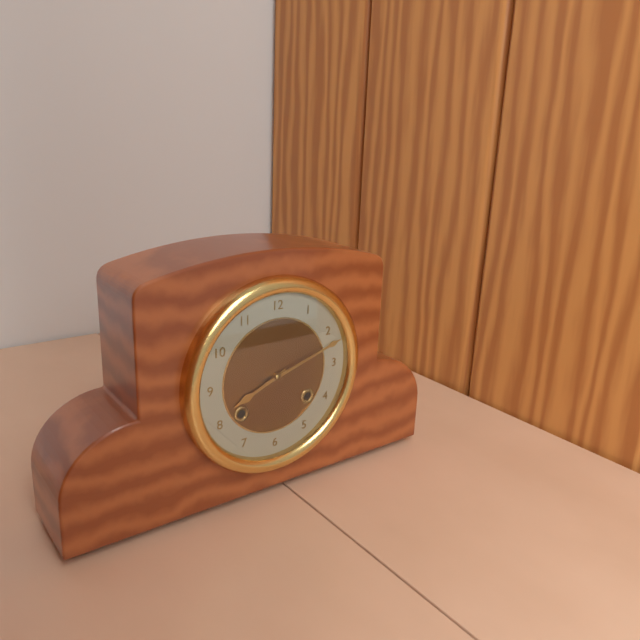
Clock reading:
{"hour": 8, "minute": 12}
